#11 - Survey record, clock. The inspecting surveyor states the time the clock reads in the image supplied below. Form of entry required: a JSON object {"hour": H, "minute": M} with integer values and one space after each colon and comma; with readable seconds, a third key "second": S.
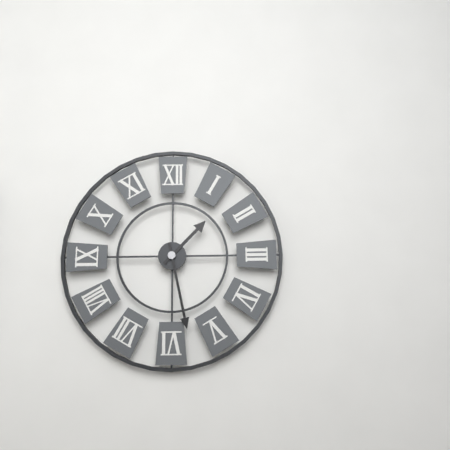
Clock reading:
{"hour": 1, "minute": 28}
